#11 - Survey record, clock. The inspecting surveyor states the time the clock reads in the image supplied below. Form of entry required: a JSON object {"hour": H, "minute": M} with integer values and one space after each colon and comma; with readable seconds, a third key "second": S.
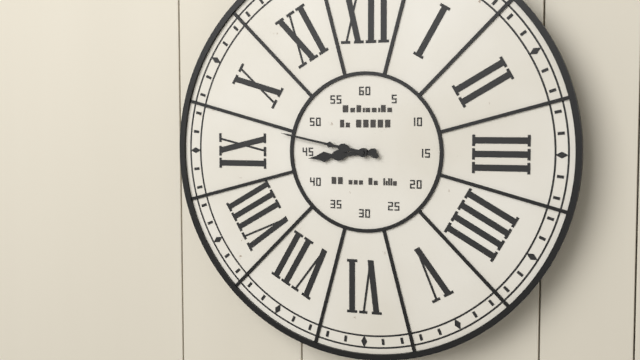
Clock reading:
{"hour": 8, "minute": 47}
